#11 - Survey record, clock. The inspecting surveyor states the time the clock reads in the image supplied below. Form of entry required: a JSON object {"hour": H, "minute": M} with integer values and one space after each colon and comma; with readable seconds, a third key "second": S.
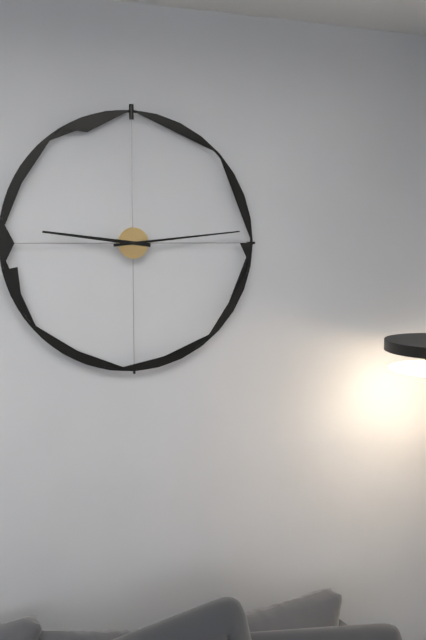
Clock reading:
{"hour": 9, "minute": 14}
